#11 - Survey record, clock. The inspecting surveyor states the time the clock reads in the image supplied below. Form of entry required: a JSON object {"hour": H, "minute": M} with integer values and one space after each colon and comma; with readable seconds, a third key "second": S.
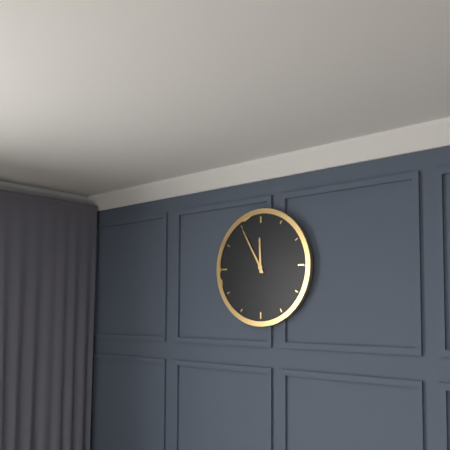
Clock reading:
{"hour": 11, "minute": 55}
